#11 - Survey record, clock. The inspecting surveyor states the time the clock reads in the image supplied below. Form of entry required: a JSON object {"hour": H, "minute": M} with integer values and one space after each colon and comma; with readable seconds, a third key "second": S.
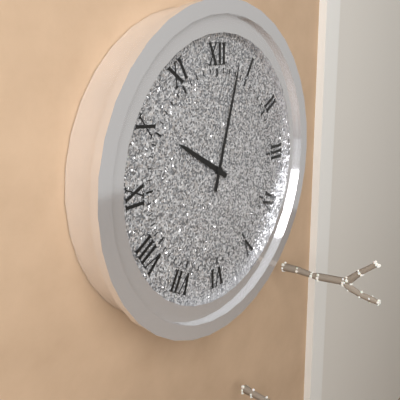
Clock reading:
{"hour": 10, "minute": 3}
